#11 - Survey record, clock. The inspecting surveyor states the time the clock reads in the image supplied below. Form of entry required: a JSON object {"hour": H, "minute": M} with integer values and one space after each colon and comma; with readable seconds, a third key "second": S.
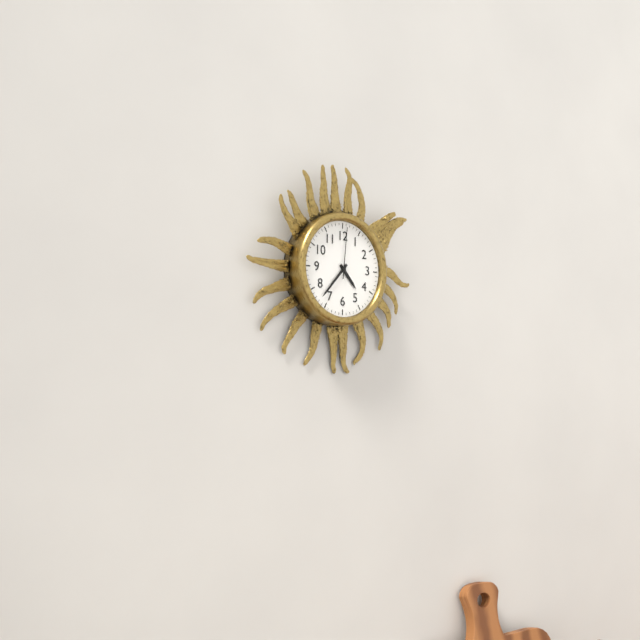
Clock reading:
{"hour": 4, "minute": 37, "second": 1}
